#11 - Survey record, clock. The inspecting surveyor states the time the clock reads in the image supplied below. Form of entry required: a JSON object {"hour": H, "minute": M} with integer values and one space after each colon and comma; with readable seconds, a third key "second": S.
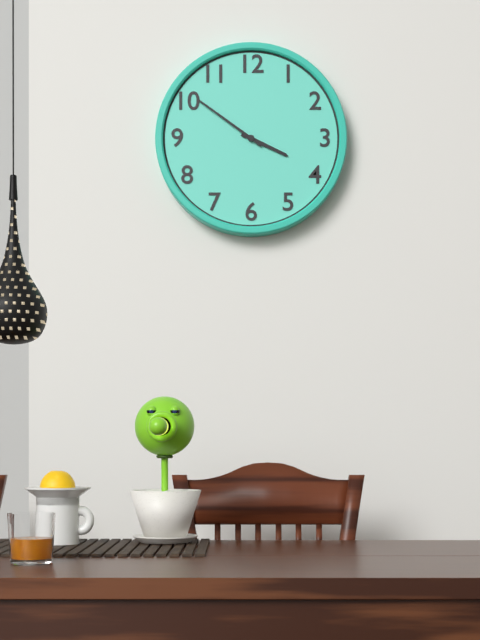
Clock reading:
{"hour": 3, "minute": 51}
